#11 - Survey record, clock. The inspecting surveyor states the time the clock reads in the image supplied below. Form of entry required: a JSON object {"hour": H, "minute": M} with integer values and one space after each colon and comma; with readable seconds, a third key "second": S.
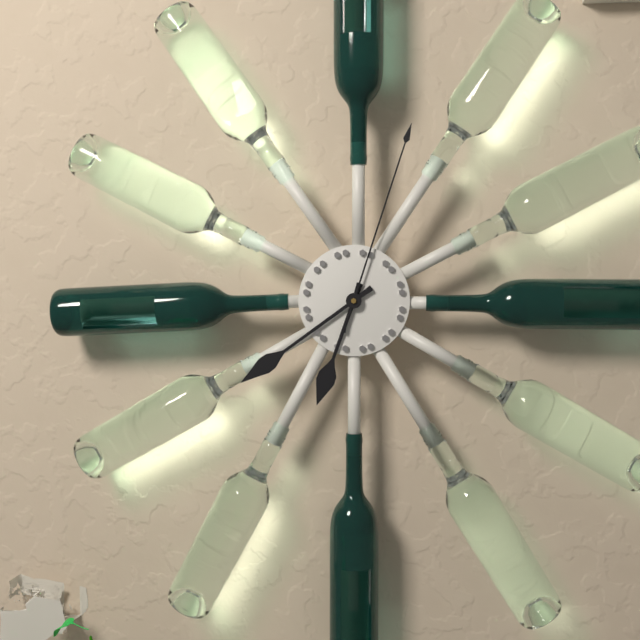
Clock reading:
{"hour": 6, "minute": 39, "second": 3}
